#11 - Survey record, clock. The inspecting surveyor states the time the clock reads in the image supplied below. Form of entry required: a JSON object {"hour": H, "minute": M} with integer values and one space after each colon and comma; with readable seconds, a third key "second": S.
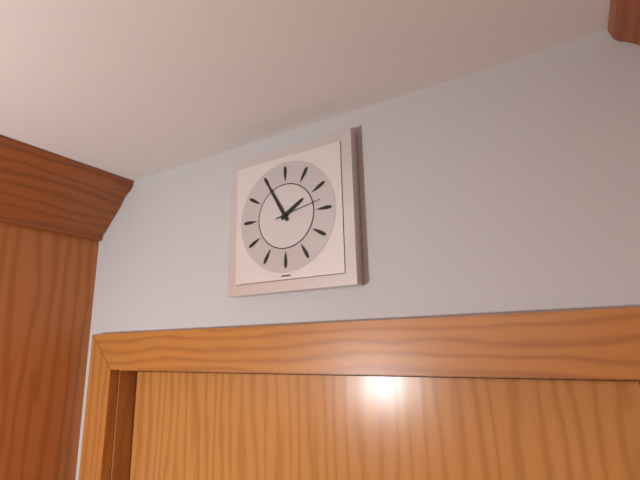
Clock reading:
{"hour": 1, "minute": 55}
